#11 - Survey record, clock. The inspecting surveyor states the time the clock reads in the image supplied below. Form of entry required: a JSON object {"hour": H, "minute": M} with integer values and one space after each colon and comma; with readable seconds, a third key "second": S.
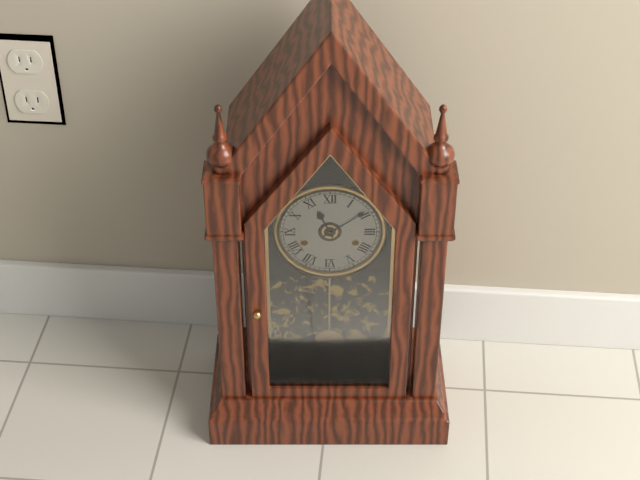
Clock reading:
{"hour": 11, "minute": 9}
